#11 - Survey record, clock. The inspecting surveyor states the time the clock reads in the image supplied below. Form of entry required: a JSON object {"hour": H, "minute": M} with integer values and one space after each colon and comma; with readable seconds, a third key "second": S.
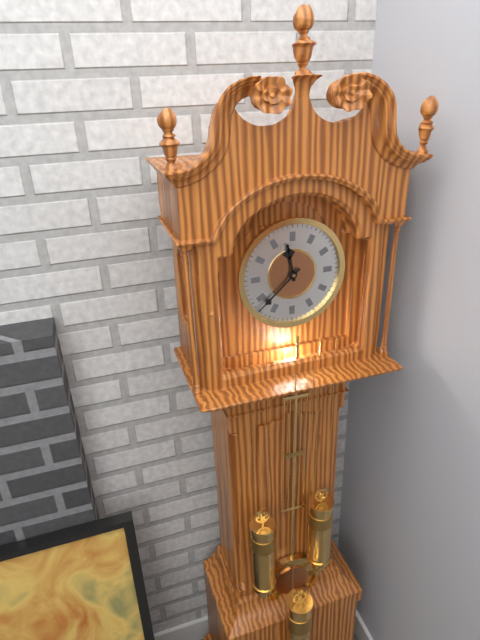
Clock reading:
{"hour": 11, "minute": 38}
